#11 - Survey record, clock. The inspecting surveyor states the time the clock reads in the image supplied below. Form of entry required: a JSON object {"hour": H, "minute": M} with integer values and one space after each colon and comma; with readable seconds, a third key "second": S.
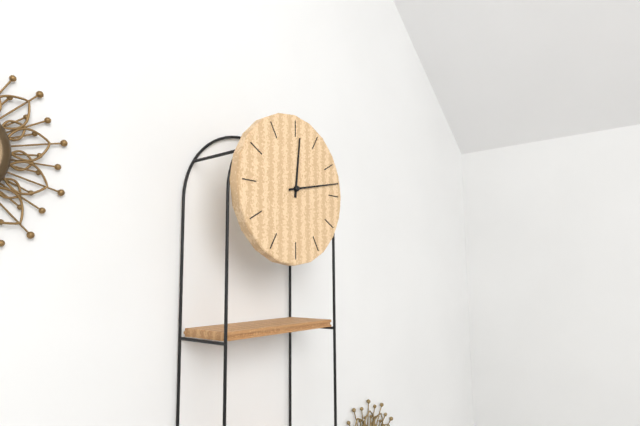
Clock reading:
{"hour": 12, "minute": 13}
